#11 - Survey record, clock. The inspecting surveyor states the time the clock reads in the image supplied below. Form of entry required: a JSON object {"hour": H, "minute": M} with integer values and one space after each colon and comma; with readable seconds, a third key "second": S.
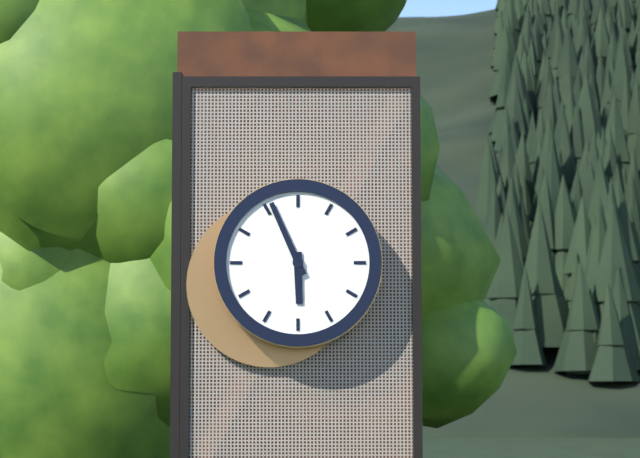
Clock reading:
{"hour": 5, "minute": 56}
